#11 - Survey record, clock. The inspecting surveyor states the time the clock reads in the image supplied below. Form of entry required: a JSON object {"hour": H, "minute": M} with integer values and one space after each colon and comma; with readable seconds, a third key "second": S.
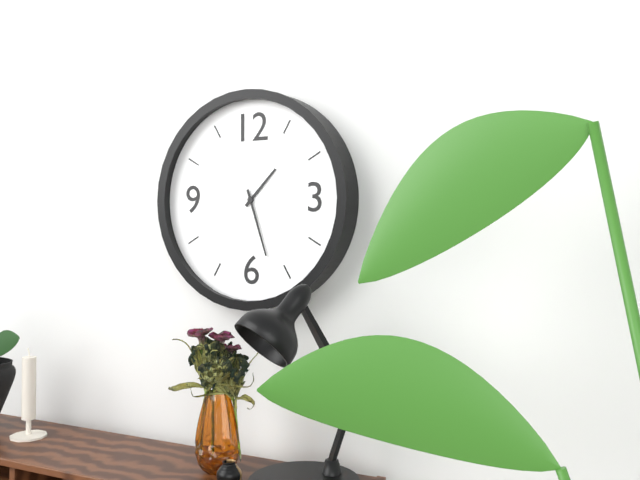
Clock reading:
{"hour": 1, "minute": 27}
